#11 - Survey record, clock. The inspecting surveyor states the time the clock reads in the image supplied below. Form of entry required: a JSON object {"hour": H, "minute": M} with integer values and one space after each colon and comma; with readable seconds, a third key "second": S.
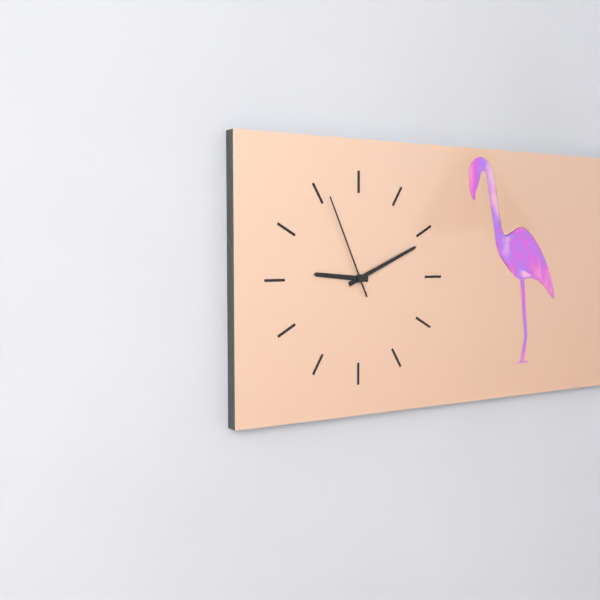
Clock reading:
{"hour": 9, "minute": 11, "second": 56}
